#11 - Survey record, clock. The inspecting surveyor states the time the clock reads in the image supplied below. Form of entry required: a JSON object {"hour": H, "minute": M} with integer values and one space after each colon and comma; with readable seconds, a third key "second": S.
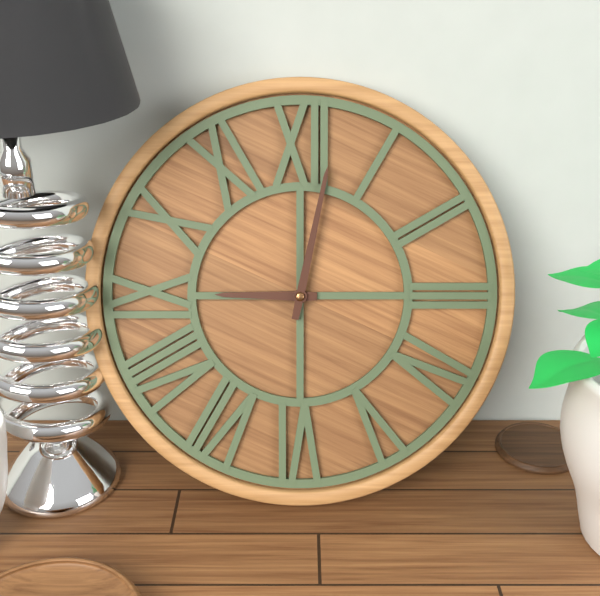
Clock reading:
{"hour": 9, "minute": 2}
